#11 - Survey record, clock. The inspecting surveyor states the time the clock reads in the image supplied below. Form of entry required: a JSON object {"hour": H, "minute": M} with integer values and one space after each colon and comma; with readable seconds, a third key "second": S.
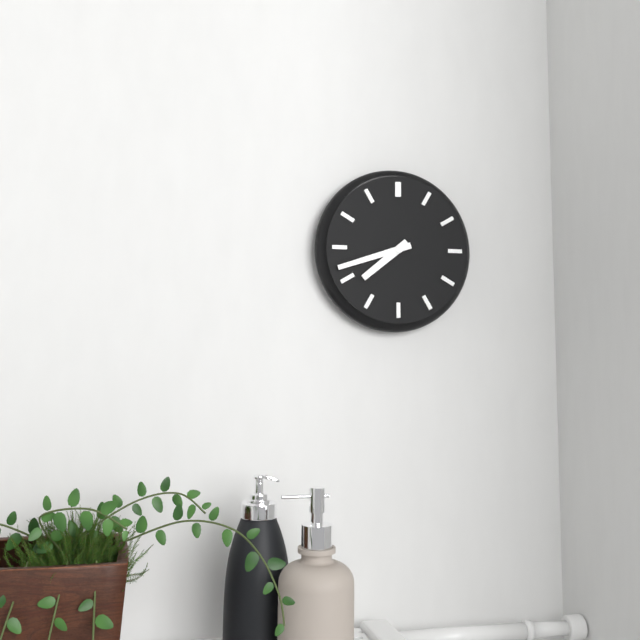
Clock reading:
{"hour": 7, "minute": 42}
